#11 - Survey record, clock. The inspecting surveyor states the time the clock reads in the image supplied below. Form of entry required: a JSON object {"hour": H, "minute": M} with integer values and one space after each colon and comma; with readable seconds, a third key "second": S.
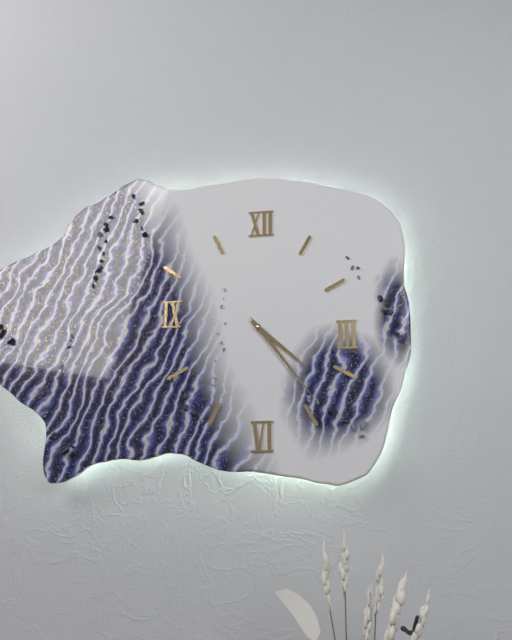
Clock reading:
{"hour": 4, "minute": 24}
